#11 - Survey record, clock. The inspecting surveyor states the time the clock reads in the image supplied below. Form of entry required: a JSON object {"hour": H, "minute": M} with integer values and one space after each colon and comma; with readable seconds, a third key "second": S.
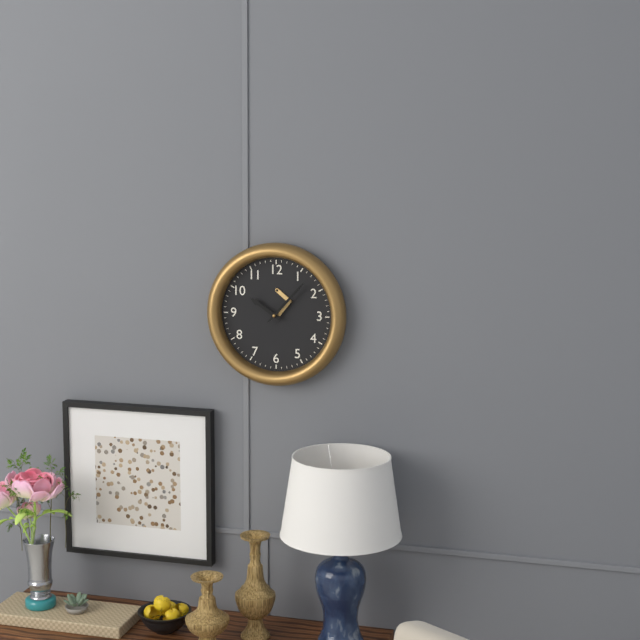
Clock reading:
{"hour": 10, "minute": 7}
